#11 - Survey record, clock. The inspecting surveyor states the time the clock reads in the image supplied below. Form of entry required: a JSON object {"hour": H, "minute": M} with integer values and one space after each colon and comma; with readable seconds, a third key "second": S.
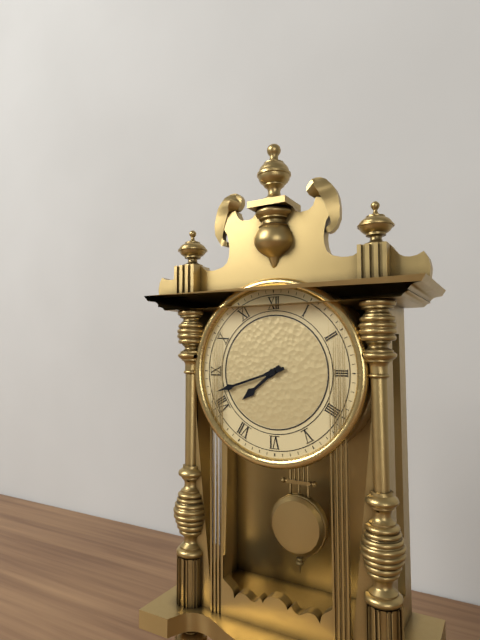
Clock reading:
{"hour": 7, "minute": 42}
